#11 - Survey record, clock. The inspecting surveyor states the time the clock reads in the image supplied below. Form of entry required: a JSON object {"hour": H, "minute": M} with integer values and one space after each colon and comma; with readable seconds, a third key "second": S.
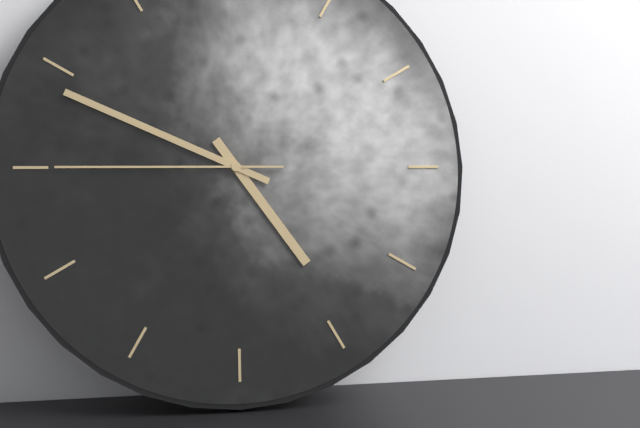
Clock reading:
{"hour": 4, "minute": 49, "second": 45}
